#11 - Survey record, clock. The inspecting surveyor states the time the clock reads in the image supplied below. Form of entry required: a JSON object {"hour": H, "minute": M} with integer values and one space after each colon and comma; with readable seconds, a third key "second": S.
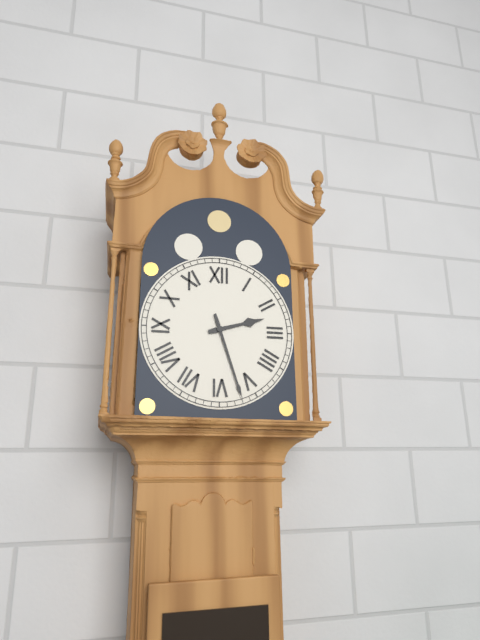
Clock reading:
{"hour": 2, "minute": 27}
